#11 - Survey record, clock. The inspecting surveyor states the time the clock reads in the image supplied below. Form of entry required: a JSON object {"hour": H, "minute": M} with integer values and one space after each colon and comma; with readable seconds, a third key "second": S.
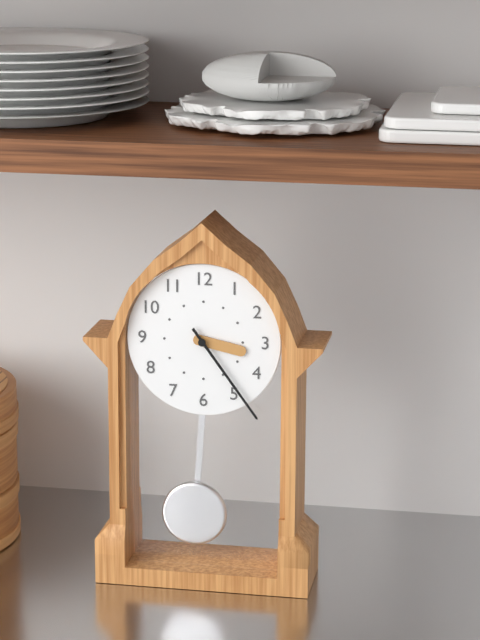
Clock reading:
{"hour": 3, "minute": 24}
